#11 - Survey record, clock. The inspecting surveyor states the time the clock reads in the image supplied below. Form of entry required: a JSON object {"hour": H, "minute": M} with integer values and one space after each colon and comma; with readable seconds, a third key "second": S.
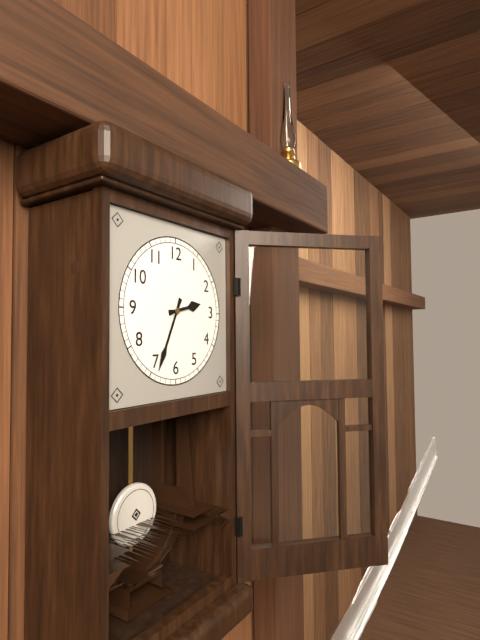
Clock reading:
{"hour": 2, "minute": 34}
